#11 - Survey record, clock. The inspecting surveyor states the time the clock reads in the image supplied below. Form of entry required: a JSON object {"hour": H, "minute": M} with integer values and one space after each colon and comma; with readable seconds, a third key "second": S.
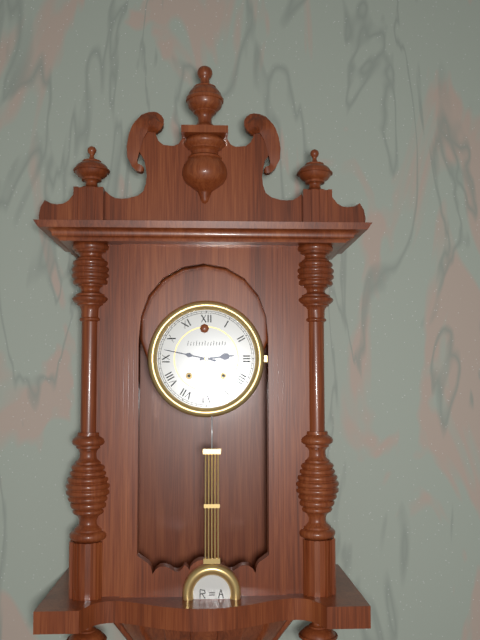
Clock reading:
{"hour": 2, "minute": 47}
